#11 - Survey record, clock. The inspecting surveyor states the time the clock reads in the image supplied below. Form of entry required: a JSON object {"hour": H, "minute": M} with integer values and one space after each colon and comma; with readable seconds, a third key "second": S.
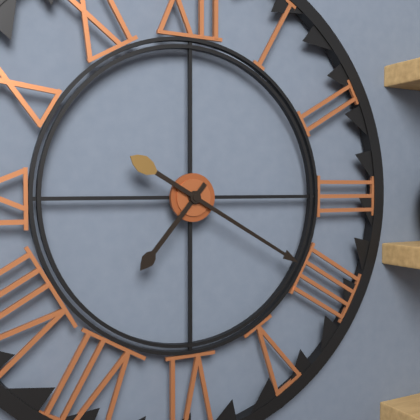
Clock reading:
{"hour": 7, "minute": 20}
